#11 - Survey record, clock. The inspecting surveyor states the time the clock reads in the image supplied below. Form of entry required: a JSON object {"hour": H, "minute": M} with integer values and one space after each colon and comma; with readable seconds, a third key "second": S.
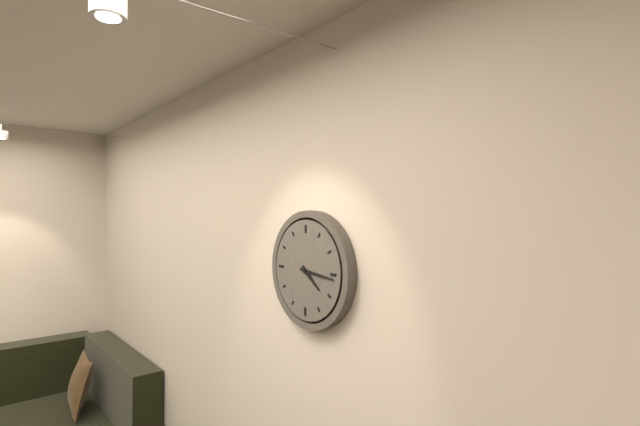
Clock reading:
{"hour": 4, "minute": 16}
